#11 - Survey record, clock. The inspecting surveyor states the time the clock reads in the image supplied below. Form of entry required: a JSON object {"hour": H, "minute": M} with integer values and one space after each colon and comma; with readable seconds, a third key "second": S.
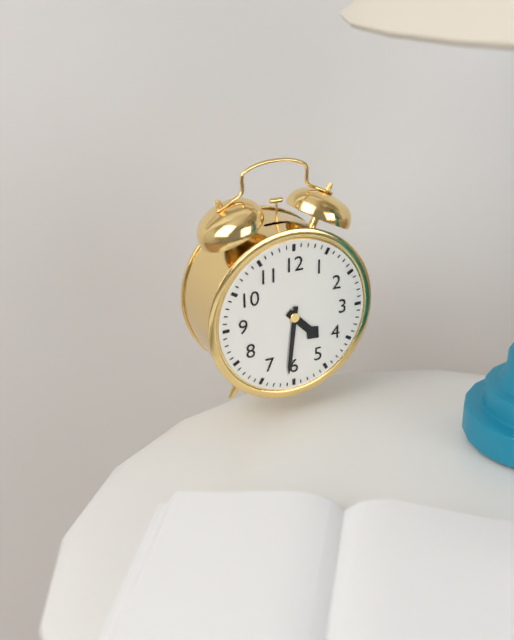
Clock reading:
{"hour": 4, "minute": 31}
